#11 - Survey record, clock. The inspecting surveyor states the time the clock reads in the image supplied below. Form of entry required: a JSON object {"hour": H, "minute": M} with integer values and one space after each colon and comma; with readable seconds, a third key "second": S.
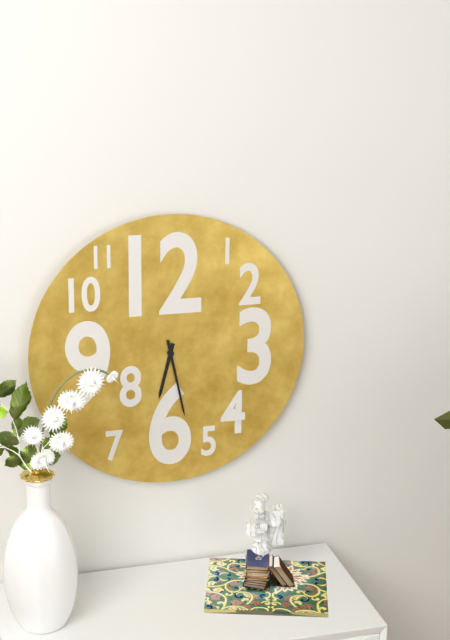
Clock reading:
{"hour": 6, "minute": 28}
